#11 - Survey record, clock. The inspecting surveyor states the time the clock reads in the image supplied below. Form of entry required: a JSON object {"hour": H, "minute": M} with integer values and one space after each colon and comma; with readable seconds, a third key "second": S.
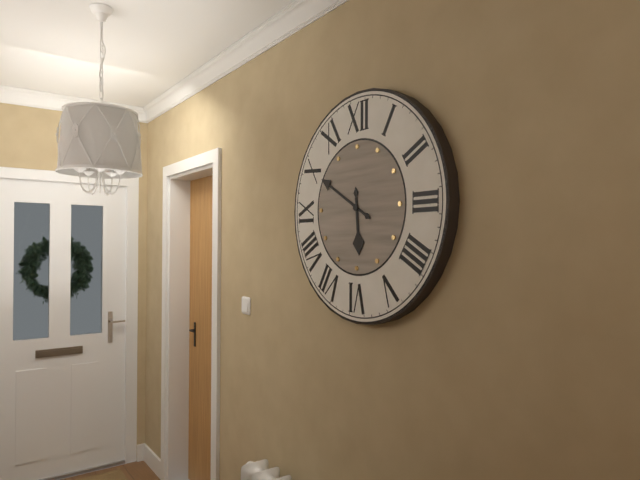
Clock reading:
{"hour": 5, "minute": 50}
